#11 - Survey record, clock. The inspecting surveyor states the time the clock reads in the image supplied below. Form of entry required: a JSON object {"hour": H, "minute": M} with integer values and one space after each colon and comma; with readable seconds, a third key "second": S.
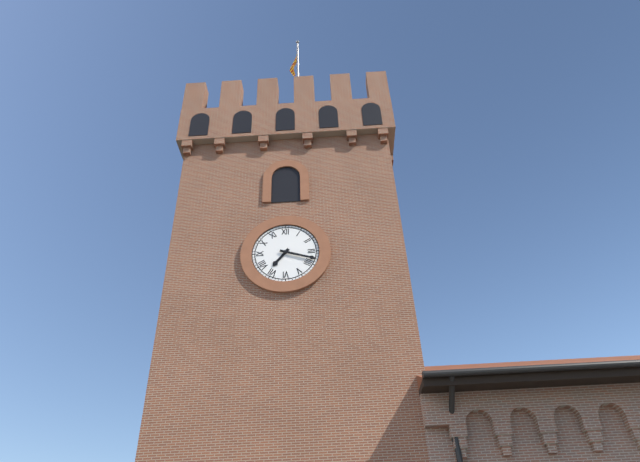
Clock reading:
{"hour": 7, "minute": 18}
